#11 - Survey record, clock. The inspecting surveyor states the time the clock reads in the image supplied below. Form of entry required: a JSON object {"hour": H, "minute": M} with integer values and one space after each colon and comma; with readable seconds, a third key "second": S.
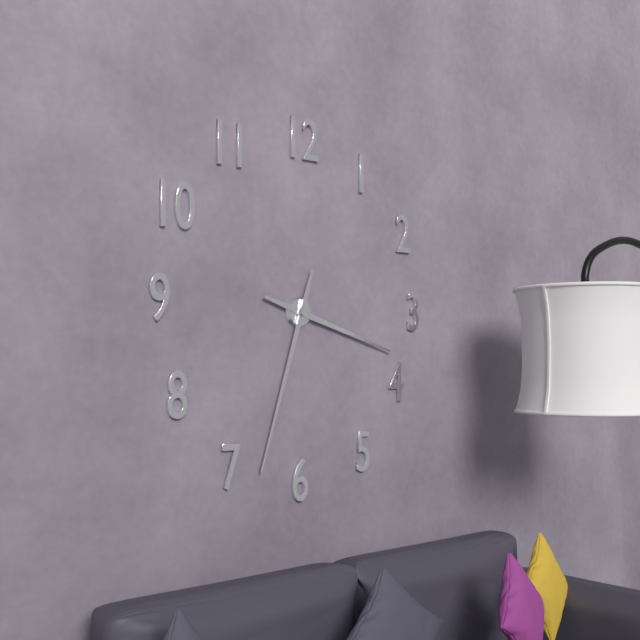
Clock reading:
{"hour": 3, "minute": 33}
